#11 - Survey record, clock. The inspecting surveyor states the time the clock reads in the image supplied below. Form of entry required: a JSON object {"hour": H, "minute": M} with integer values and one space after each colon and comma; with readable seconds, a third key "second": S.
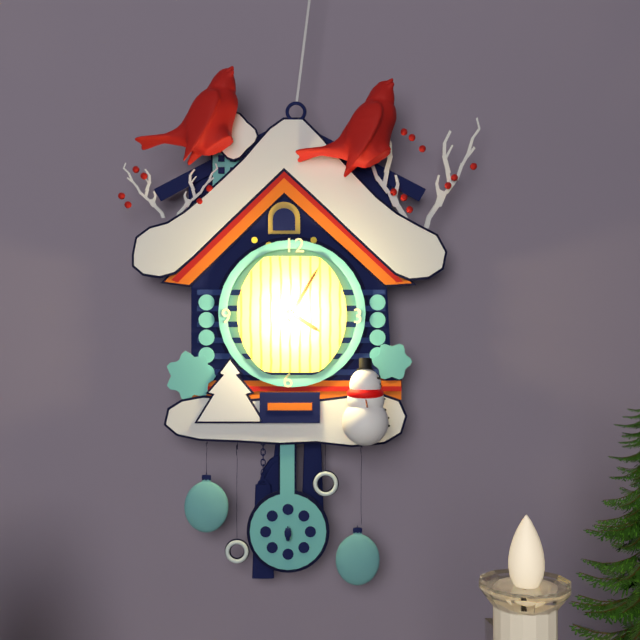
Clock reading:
{"hour": 4, "minute": 5}
